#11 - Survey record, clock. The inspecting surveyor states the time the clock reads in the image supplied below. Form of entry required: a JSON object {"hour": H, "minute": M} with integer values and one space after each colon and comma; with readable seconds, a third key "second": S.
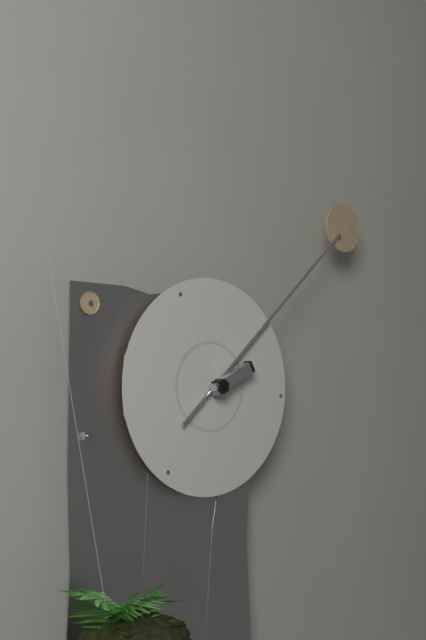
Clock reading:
{"hour": 2, "minute": 8}
